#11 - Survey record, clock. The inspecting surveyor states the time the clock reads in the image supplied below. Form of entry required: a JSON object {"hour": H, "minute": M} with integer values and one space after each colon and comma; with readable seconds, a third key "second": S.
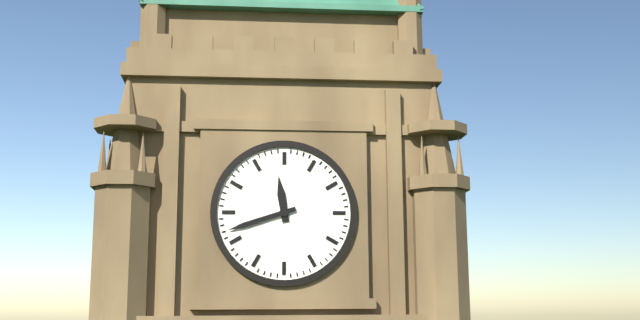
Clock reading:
{"hour": 11, "minute": 42}
